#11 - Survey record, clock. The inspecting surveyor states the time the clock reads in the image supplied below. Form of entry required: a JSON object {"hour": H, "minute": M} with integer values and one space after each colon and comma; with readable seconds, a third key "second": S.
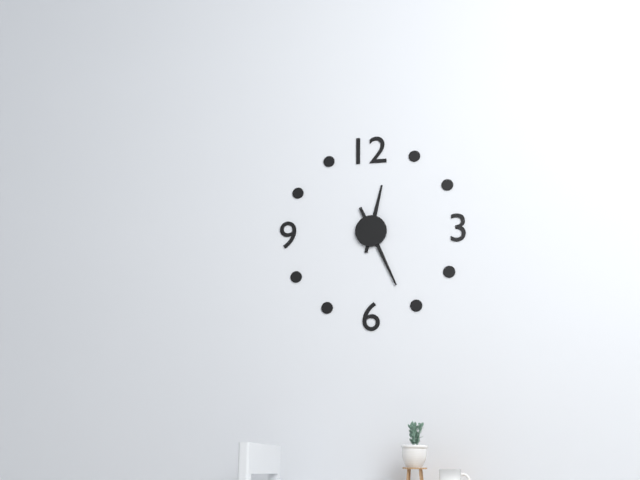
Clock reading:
{"hour": 12, "minute": 26}
